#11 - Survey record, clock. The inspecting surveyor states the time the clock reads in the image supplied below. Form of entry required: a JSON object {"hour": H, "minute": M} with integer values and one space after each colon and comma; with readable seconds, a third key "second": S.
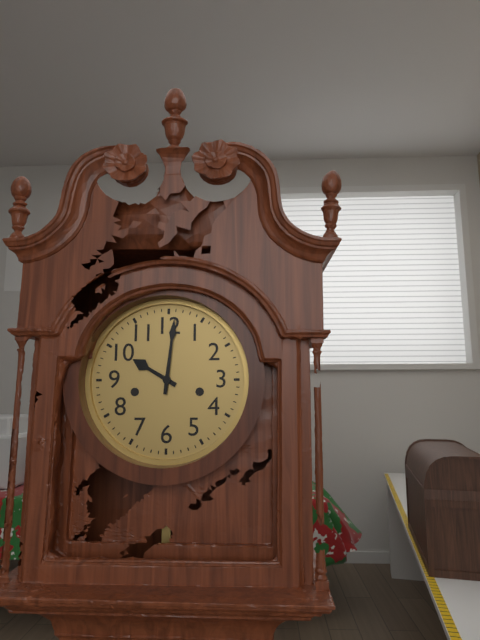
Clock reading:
{"hour": 10, "minute": 1}
